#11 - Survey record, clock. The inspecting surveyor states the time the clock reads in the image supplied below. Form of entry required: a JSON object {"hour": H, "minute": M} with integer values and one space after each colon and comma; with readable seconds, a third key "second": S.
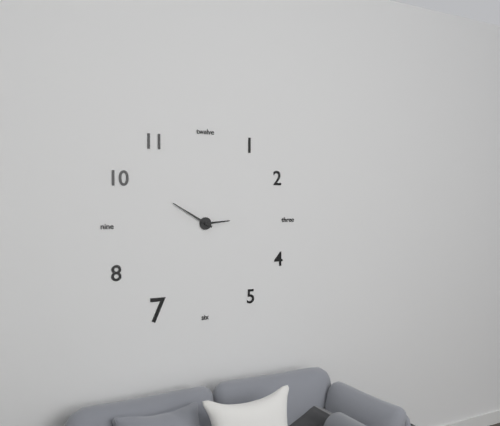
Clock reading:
{"hour": 2, "minute": 50}
